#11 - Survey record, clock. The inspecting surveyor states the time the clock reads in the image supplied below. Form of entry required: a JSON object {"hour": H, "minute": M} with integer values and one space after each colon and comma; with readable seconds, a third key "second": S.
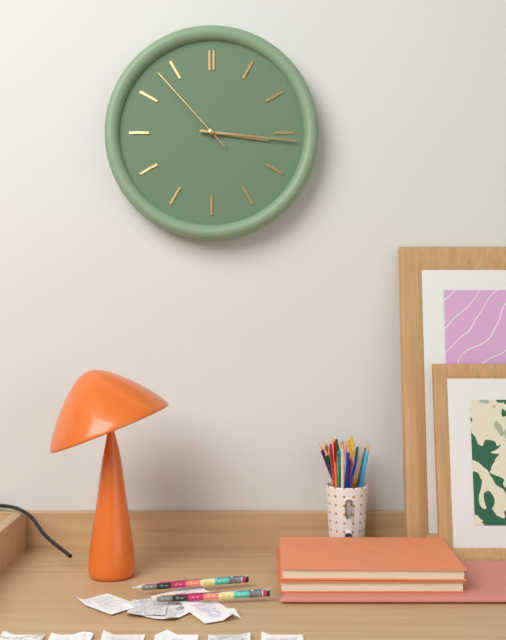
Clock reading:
{"hour": 3, "minute": 16, "second": 53}
